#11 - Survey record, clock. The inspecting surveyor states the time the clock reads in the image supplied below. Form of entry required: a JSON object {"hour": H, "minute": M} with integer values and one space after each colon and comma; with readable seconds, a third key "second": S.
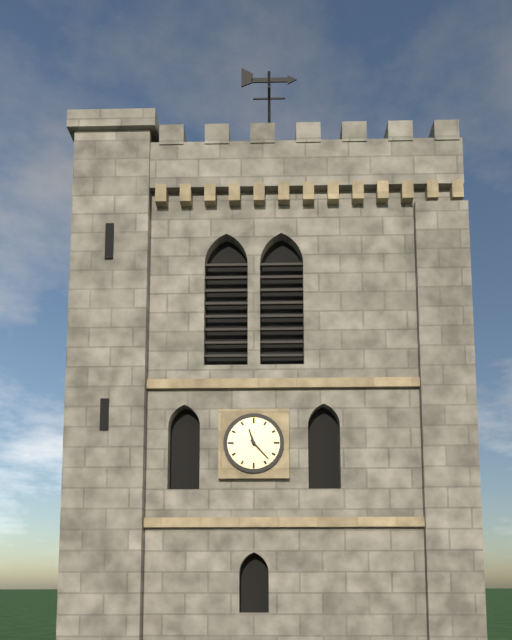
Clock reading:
{"hour": 11, "minute": 23}
